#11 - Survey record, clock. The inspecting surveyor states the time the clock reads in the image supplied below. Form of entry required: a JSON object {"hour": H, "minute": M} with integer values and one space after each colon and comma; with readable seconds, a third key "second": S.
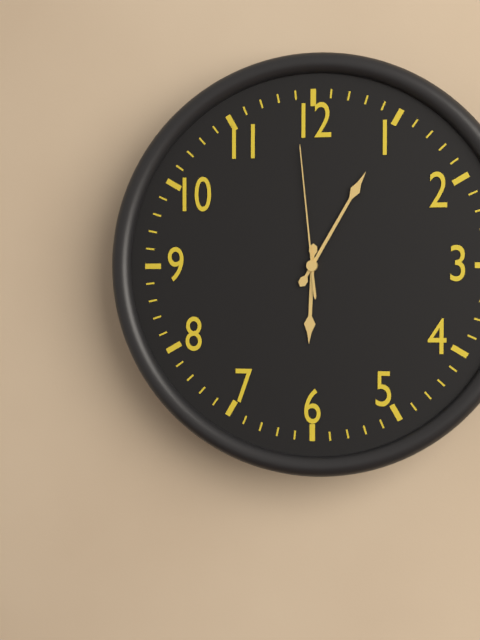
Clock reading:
{"hour": 6, "minute": 5, "second": 59}
